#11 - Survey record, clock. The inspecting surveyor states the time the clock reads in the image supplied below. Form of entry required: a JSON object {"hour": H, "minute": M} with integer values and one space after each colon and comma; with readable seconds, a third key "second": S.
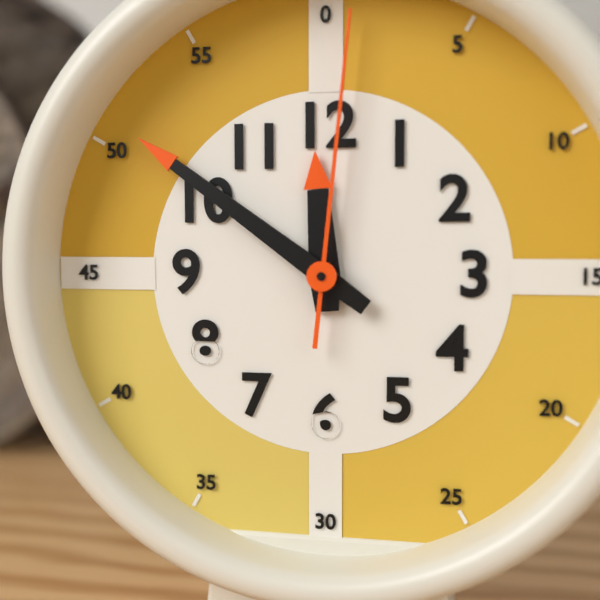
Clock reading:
{"hour": 11, "minute": 51, "second": 1}
